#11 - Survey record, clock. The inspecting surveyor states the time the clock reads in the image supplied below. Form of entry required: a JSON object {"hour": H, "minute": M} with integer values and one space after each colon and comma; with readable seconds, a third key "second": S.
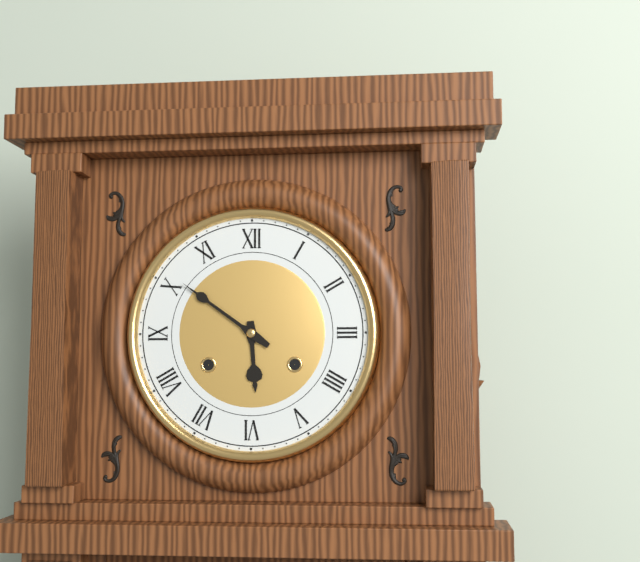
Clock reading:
{"hour": 5, "minute": 51}
